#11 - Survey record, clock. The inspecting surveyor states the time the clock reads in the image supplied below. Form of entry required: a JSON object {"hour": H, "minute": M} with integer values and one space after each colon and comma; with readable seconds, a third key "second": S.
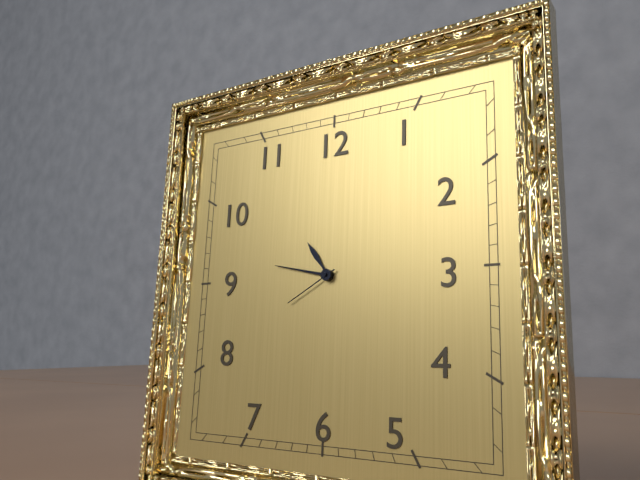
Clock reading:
{"hour": 10, "minute": 47, "second": 40}
